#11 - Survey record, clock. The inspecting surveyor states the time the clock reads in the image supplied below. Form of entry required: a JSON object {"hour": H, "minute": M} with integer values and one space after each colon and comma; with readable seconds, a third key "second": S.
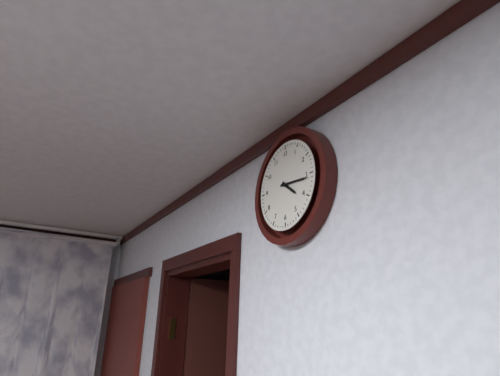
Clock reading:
{"hour": 4, "minute": 16}
